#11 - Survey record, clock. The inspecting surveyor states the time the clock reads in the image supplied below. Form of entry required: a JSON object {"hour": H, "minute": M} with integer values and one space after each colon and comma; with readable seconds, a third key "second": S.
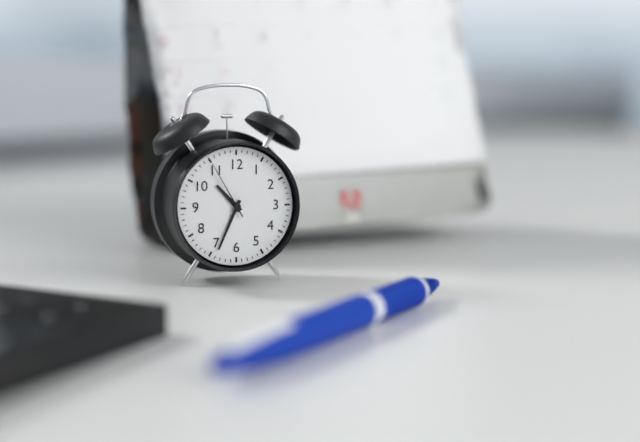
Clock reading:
{"hour": 10, "minute": 34, "second": 55}
